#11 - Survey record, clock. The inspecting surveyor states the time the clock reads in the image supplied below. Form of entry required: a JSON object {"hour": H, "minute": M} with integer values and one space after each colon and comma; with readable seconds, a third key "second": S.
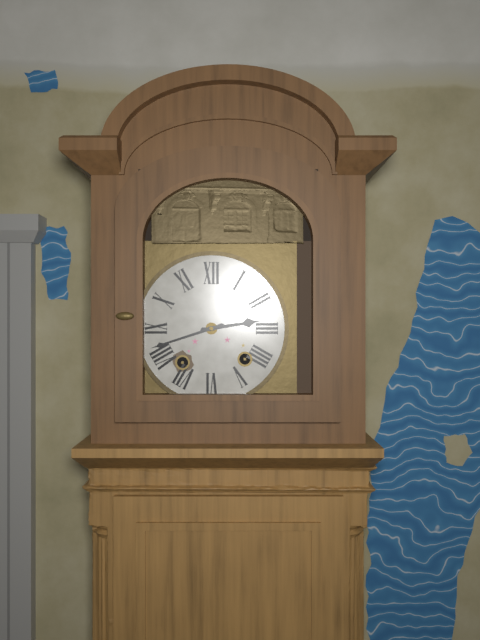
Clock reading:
{"hour": 2, "minute": 42}
